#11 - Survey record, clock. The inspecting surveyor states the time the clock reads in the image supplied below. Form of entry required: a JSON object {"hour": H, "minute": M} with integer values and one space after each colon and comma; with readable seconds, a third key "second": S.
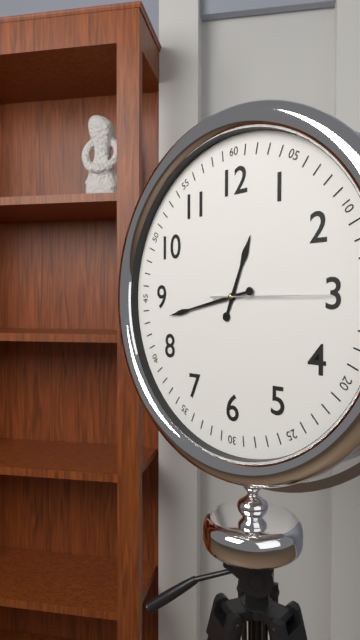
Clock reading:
{"hour": 12, "minute": 43, "second": 15}
